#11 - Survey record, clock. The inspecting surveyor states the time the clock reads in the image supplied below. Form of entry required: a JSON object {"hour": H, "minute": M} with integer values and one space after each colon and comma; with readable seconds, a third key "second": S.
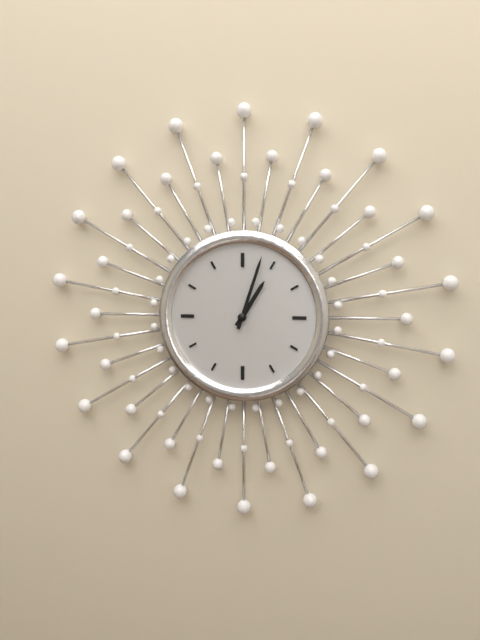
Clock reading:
{"hour": 1, "minute": 3}
